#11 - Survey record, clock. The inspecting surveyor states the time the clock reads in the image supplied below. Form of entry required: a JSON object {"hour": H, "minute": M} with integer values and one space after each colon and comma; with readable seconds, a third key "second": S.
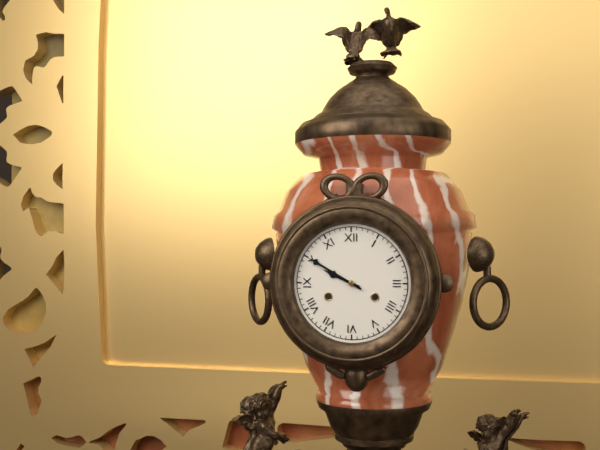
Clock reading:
{"hour": 9, "minute": 50}
